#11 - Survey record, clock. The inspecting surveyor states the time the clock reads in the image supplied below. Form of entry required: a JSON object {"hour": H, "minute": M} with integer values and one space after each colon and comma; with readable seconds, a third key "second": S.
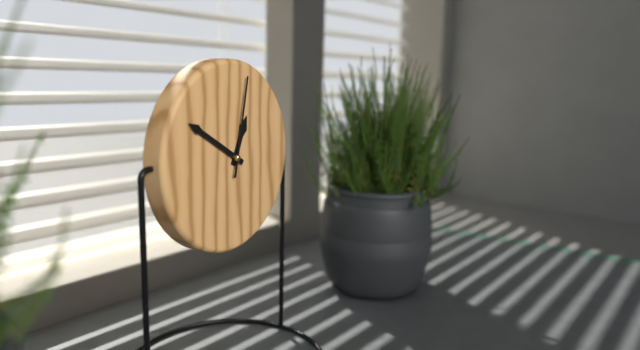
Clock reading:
{"hour": 12, "minute": 50, "second": 2}
